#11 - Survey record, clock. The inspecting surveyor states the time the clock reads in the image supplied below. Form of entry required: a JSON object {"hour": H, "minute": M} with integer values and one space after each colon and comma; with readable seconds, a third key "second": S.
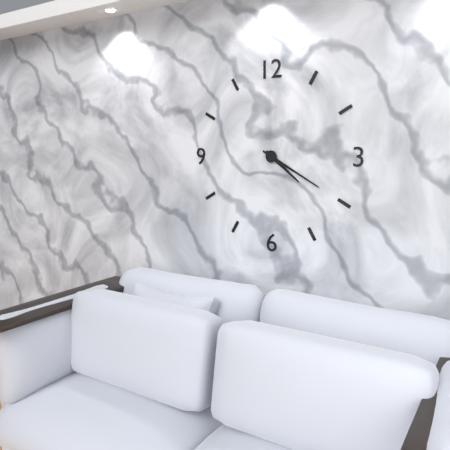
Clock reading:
{"hour": 4, "minute": 20}
